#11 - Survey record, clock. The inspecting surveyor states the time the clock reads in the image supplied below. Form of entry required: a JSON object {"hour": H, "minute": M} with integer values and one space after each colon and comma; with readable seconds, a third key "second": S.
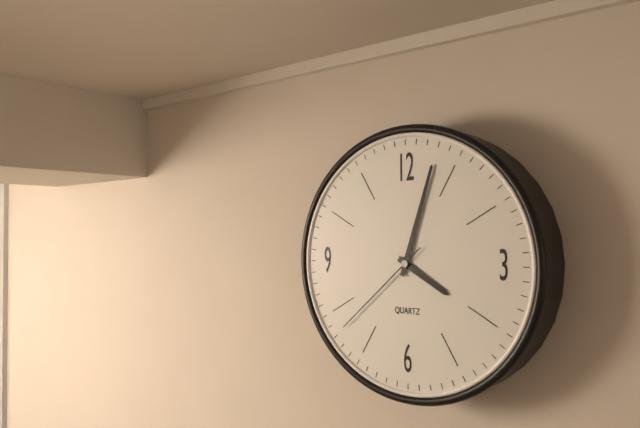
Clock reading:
{"hour": 4, "minute": 3, "second": 38}
